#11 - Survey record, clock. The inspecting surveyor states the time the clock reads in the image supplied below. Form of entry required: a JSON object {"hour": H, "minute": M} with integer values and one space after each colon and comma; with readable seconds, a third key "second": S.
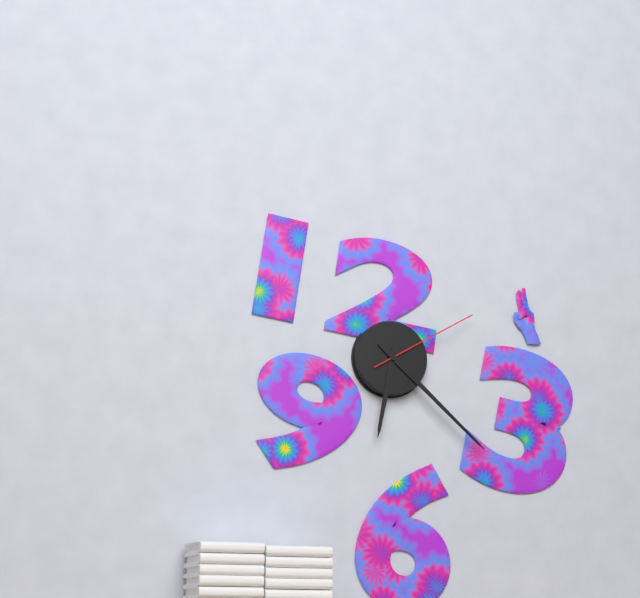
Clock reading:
{"hour": 6, "minute": 22, "second": 10}
